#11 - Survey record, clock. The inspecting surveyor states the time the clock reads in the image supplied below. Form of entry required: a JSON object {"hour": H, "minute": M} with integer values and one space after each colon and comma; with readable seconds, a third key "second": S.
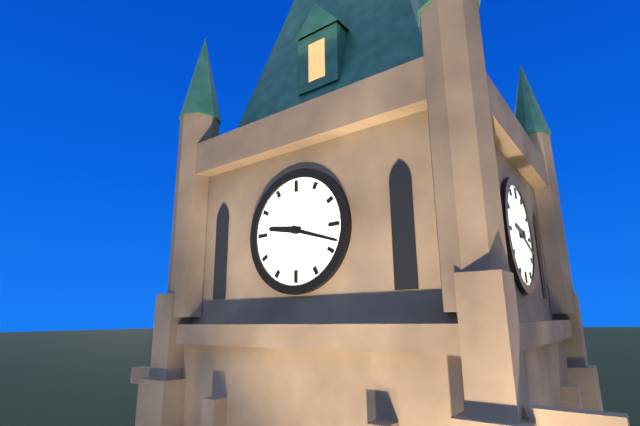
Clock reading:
{"hour": 9, "minute": 18}
